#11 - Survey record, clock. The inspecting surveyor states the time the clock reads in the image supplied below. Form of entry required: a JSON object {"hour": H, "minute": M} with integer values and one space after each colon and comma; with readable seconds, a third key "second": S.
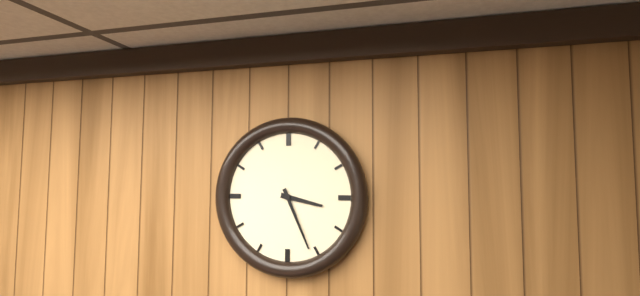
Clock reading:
{"hour": 3, "minute": 26}
